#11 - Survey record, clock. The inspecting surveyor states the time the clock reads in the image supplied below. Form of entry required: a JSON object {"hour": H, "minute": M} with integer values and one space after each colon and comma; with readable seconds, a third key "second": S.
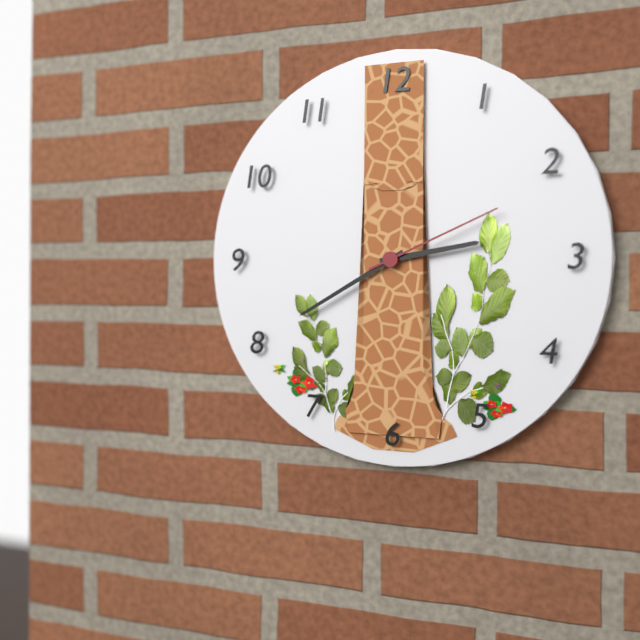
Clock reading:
{"hour": 2, "minute": 40, "second": 11}
